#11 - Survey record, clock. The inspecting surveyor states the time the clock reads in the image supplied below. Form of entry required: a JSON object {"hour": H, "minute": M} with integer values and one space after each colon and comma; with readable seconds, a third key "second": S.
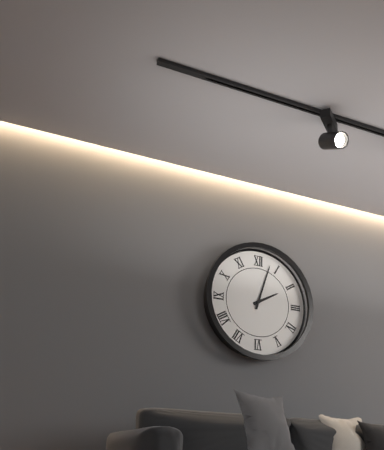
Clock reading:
{"hour": 2, "minute": 3}
